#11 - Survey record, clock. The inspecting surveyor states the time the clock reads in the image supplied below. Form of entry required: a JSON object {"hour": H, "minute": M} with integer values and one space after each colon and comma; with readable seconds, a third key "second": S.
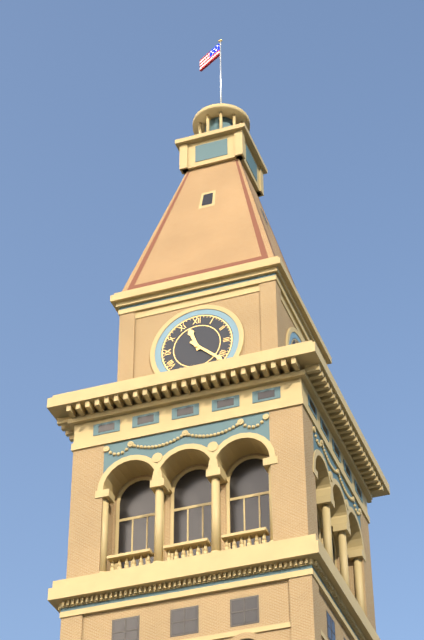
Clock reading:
{"hour": 11, "minute": 22}
